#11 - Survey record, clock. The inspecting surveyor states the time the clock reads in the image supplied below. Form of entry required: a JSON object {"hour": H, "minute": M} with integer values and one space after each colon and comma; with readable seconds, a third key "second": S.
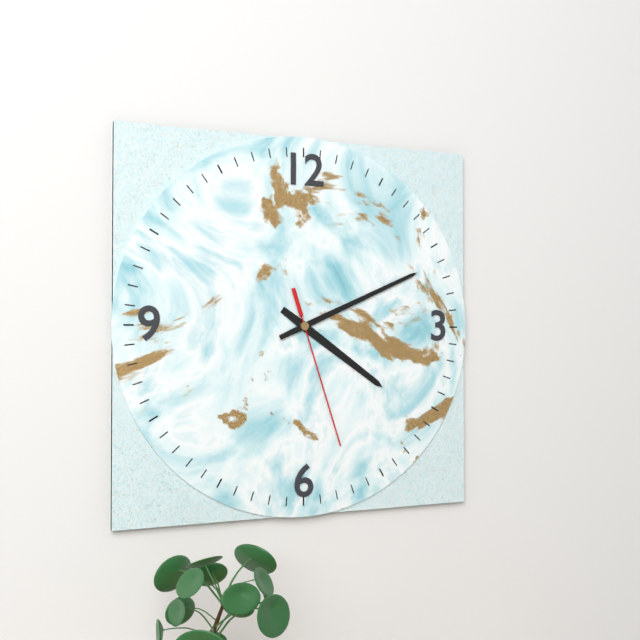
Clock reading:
{"hour": 4, "minute": 11, "second": 27}
